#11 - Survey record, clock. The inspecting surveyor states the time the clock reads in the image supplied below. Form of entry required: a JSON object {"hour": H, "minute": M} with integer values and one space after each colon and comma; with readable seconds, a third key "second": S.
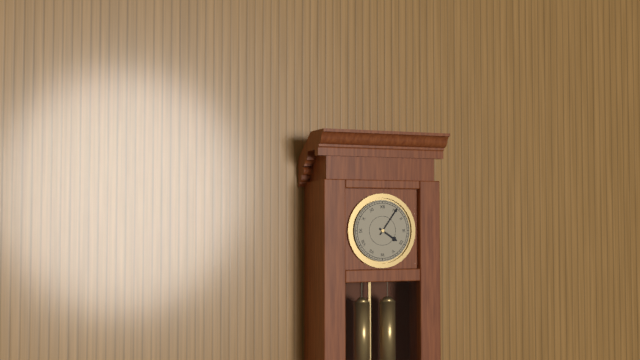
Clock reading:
{"hour": 4, "minute": 6}
